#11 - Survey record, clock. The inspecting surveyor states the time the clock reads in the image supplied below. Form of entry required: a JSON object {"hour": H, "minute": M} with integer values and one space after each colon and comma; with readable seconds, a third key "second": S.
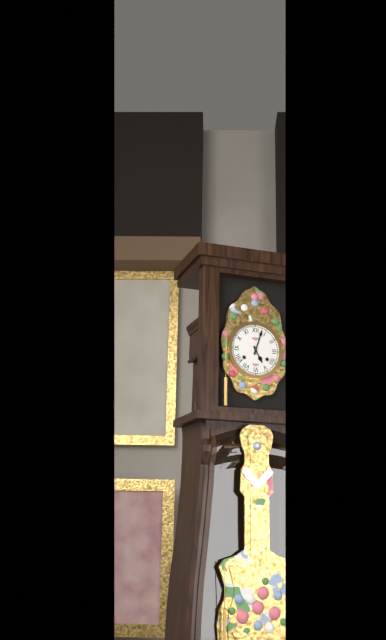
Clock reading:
{"hour": 5, "minute": 3}
